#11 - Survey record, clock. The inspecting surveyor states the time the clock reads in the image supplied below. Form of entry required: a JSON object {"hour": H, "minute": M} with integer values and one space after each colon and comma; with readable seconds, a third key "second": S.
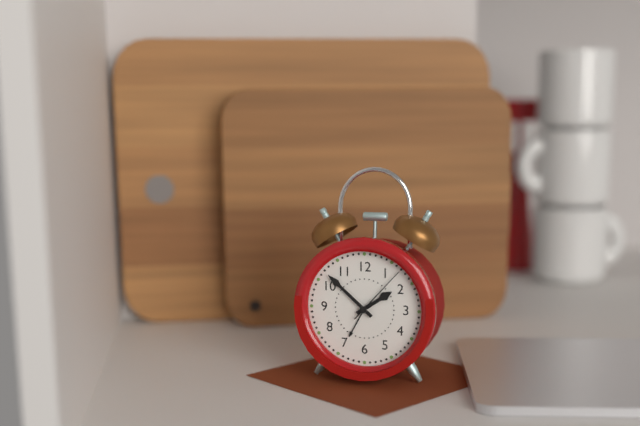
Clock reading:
{"hour": 1, "minute": 52, "second": 7}
